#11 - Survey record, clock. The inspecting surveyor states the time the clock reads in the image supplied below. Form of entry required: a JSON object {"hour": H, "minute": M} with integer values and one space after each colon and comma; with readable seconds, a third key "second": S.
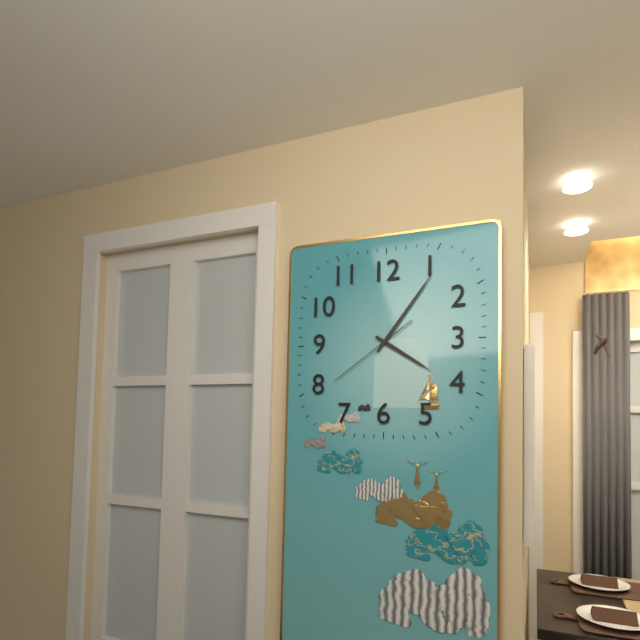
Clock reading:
{"hour": 4, "minute": 6, "second": 39}
